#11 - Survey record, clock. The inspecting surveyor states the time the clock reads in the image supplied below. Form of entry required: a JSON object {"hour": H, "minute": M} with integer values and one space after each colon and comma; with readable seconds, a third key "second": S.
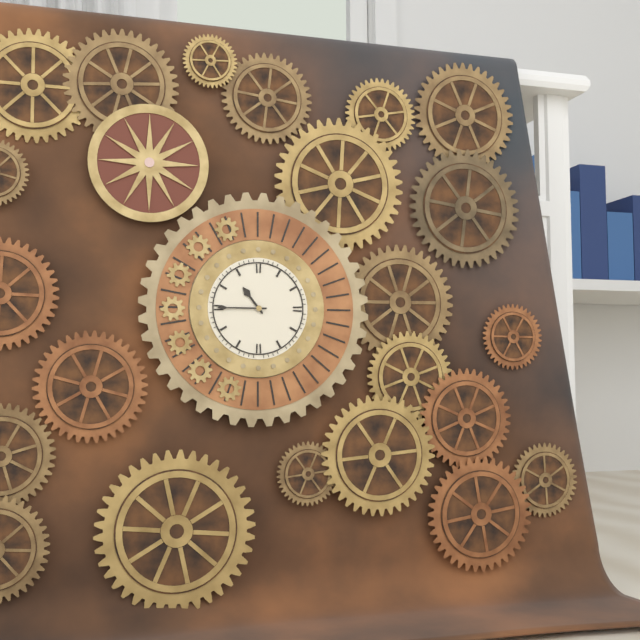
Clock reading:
{"hour": 10, "minute": 45}
